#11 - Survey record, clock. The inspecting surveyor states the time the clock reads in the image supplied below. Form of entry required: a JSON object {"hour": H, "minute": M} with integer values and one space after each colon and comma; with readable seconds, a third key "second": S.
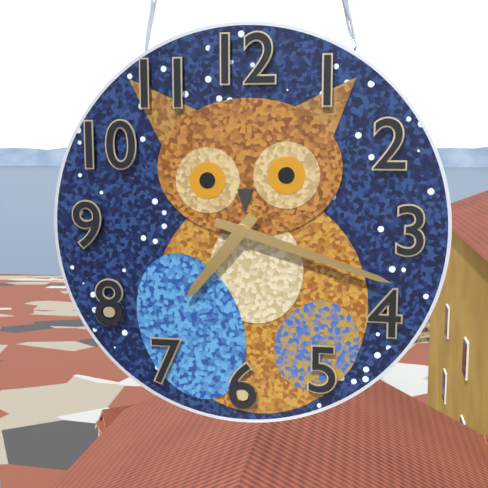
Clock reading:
{"hour": 7, "minute": 18}
